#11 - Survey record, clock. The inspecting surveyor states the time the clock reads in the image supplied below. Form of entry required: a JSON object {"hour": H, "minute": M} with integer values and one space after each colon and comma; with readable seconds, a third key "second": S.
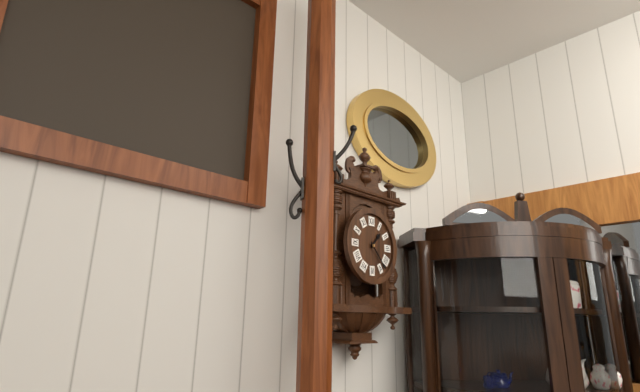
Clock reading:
{"hour": 1, "minute": 23}
